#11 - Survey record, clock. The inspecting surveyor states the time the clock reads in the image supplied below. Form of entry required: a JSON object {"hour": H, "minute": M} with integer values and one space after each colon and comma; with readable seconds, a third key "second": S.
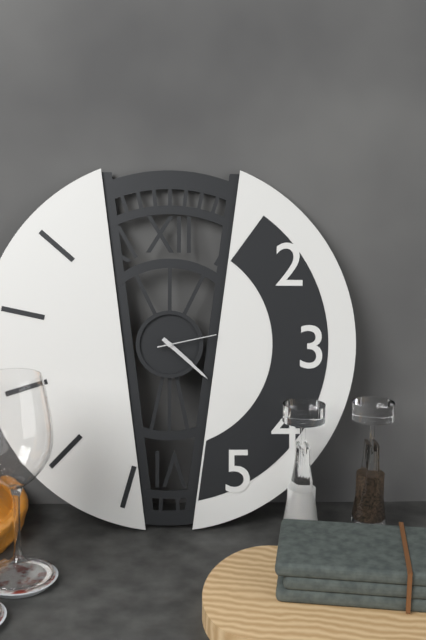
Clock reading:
{"hour": 4, "minute": 22, "second": 13}
